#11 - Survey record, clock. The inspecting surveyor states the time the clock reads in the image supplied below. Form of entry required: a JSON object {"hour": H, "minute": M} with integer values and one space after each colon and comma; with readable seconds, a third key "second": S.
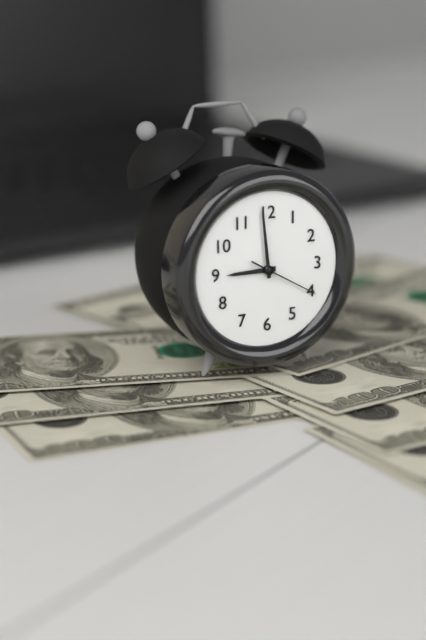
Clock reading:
{"hour": 8, "minute": 59, "second": 20}
